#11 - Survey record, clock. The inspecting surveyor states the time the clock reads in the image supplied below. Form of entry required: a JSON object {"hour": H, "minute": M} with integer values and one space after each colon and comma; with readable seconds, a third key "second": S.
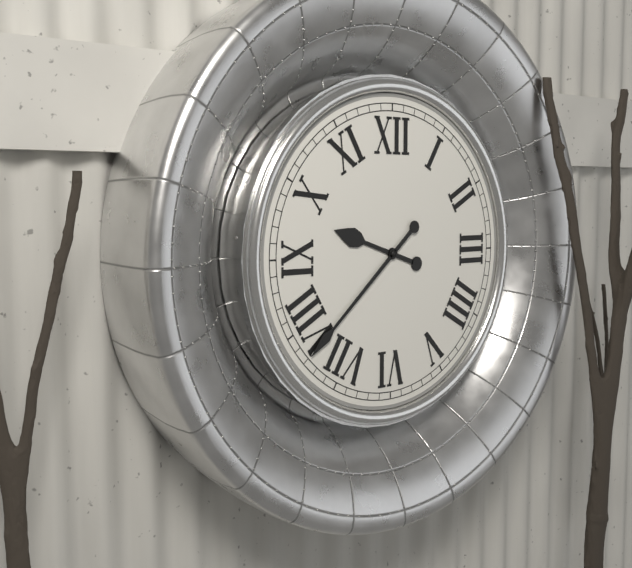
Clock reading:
{"hour": 9, "minute": 38}
